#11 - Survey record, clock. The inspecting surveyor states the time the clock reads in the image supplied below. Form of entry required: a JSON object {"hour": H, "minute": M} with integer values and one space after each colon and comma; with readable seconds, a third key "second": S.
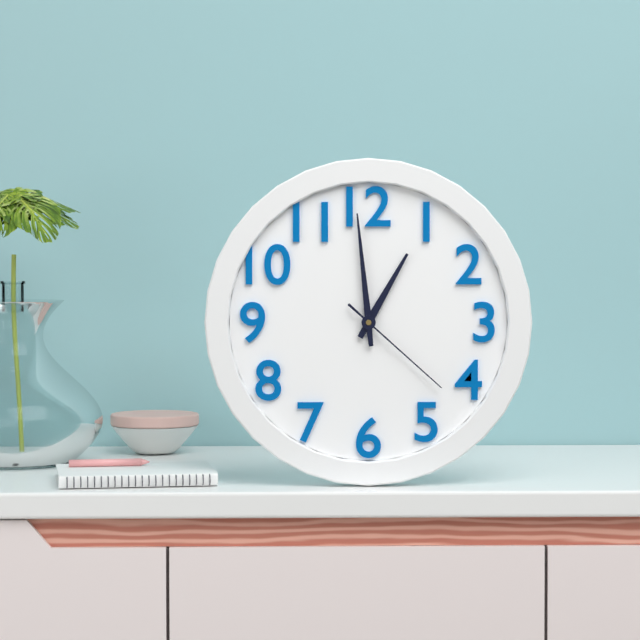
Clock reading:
{"hour": 12, "minute": 59, "second": 22}
